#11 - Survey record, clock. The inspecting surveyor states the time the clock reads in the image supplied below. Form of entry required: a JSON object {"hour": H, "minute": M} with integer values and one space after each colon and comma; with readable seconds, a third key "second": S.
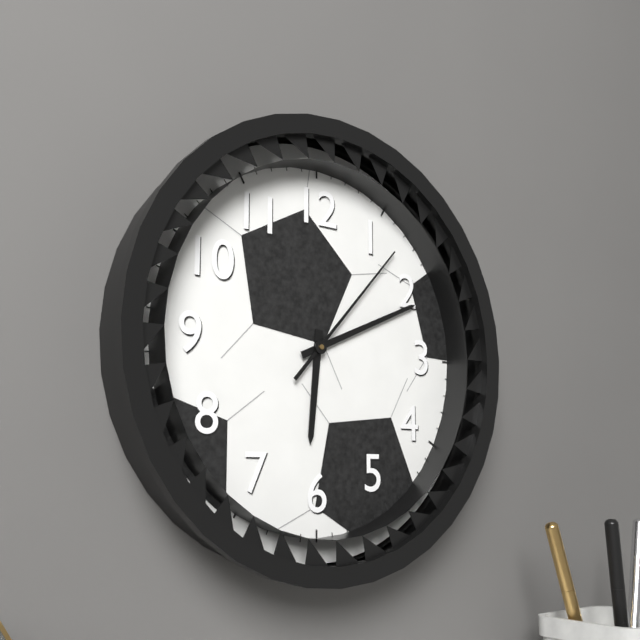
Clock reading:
{"hour": 6, "minute": 11, "second": 7}
